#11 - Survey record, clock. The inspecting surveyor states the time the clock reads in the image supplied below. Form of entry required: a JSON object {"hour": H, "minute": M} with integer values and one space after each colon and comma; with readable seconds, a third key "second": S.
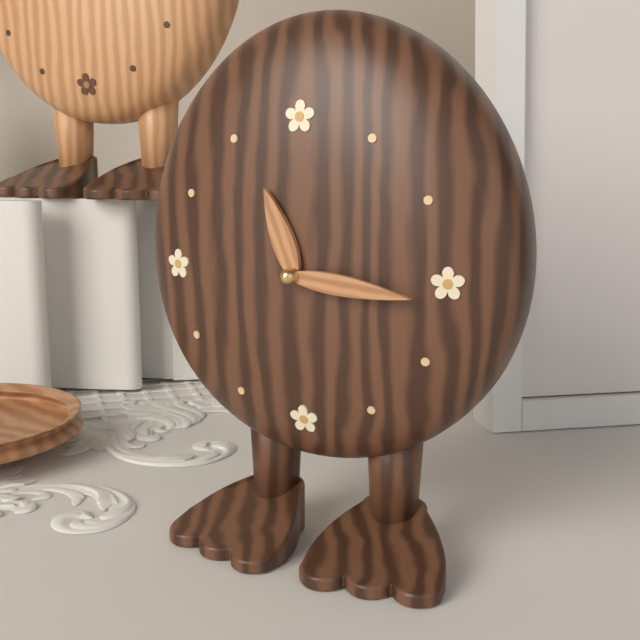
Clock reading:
{"hour": 11, "minute": 16}
